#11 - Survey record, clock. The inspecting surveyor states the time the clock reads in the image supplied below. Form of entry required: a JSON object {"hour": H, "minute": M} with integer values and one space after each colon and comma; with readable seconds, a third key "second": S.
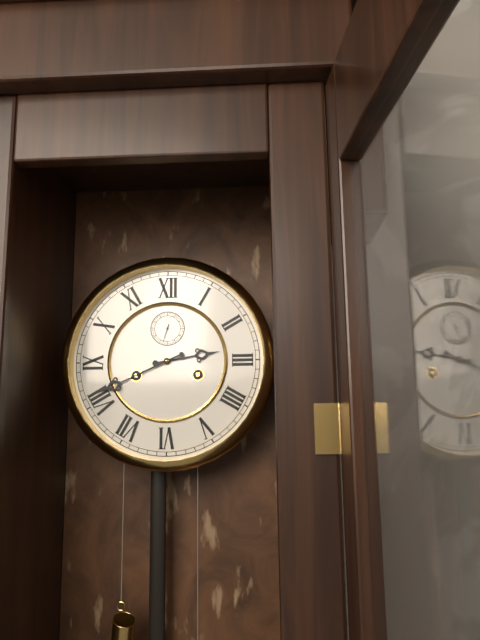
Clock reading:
{"hour": 2, "minute": 41}
